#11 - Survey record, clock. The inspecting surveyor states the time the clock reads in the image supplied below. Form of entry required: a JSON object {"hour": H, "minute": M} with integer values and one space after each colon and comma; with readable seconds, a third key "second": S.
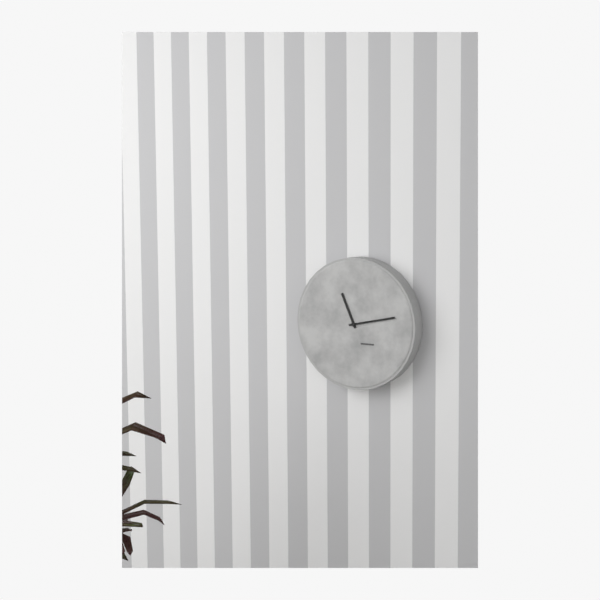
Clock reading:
{"hour": 11, "minute": 13}
